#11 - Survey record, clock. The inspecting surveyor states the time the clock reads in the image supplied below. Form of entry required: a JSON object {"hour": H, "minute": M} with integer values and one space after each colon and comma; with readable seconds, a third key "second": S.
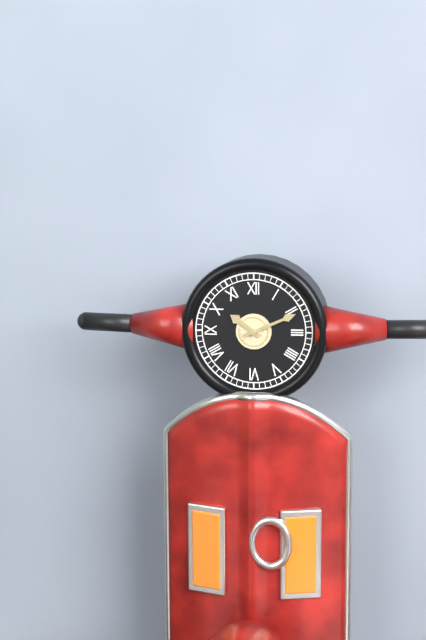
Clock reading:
{"hour": 10, "minute": 11}
